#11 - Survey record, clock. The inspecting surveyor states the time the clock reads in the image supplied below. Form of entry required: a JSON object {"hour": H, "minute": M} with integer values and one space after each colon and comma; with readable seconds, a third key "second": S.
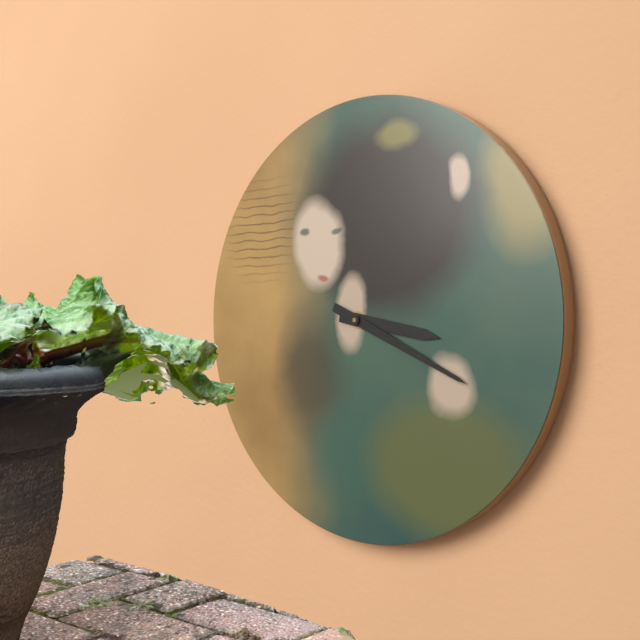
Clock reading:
{"hour": 3, "minute": 19}
